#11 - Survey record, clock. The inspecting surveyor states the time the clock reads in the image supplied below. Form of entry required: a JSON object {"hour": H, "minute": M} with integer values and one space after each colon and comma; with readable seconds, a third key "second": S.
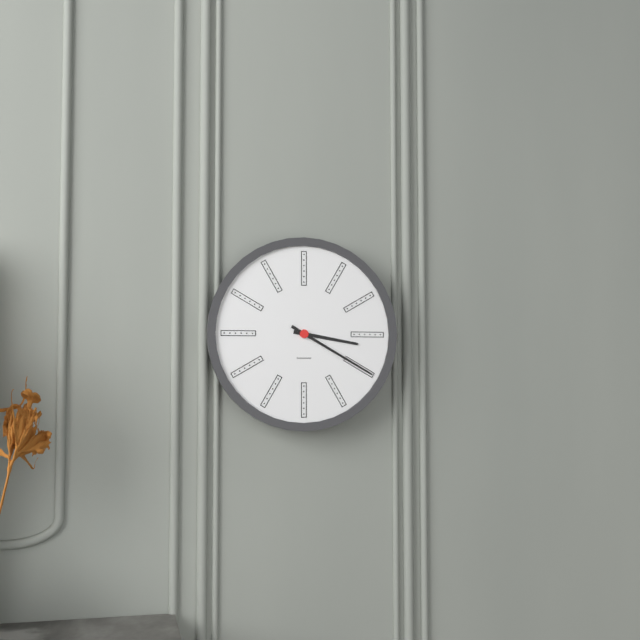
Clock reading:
{"hour": 3, "minute": 20}
